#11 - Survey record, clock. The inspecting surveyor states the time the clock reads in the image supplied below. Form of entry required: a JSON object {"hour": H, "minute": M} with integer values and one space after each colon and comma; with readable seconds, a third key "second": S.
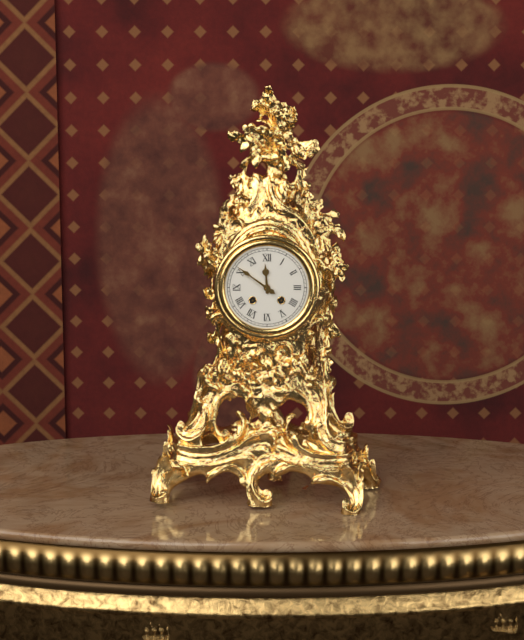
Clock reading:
{"hour": 11, "minute": 51}
